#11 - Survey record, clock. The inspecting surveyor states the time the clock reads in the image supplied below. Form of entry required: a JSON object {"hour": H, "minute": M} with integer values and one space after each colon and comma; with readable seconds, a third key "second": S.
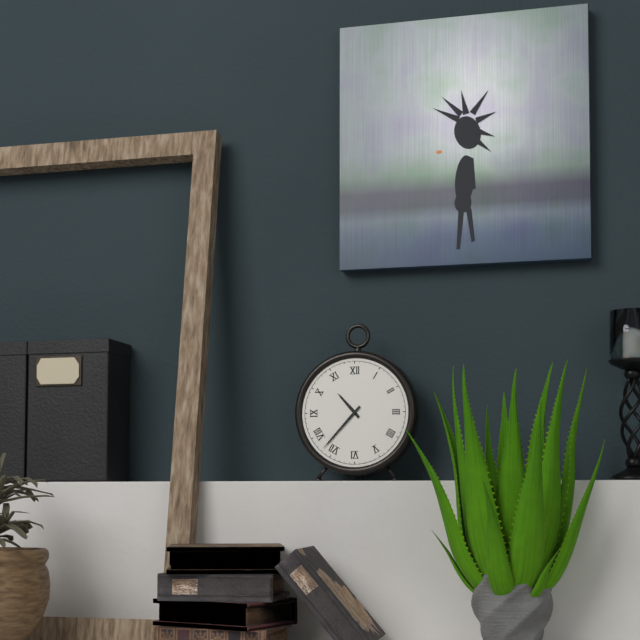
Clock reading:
{"hour": 10, "minute": 37}
